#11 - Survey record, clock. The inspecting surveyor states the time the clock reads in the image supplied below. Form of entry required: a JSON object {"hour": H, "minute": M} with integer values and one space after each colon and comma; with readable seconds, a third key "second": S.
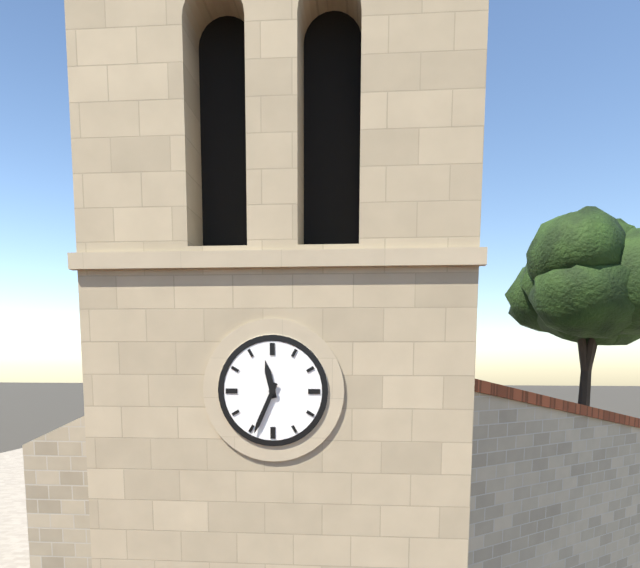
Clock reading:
{"hour": 11, "minute": 34}
